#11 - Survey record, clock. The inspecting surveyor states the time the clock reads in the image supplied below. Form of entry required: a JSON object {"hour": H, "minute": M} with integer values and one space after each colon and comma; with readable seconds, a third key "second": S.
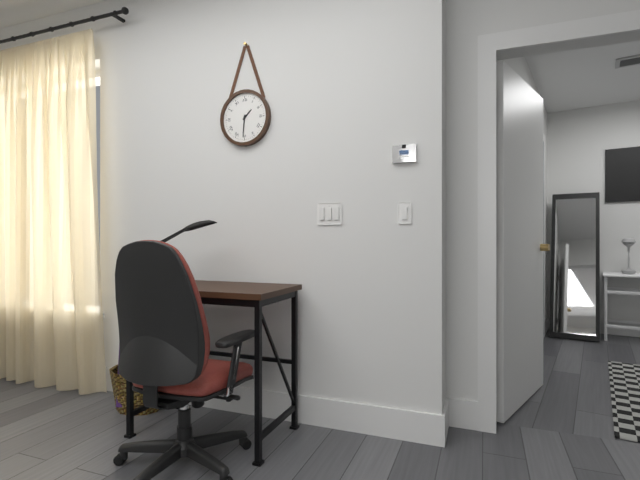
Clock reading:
{"hour": 1, "minute": 31}
